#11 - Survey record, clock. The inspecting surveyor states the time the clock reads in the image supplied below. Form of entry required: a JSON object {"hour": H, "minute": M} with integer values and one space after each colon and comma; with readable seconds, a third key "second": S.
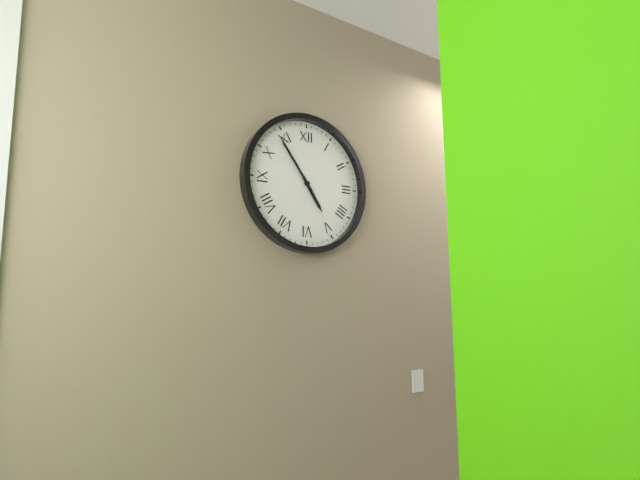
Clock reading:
{"hour": 4, "minute": 54}
